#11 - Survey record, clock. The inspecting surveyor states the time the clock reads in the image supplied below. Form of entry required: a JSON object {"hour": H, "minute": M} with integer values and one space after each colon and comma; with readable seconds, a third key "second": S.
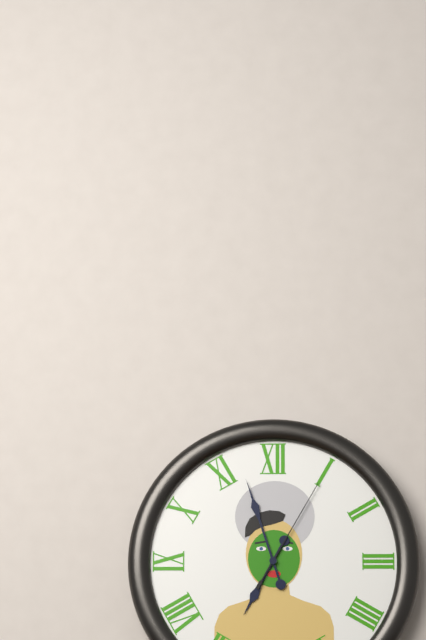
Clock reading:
{"hour": 6, "minute": 57, "second": 5}
